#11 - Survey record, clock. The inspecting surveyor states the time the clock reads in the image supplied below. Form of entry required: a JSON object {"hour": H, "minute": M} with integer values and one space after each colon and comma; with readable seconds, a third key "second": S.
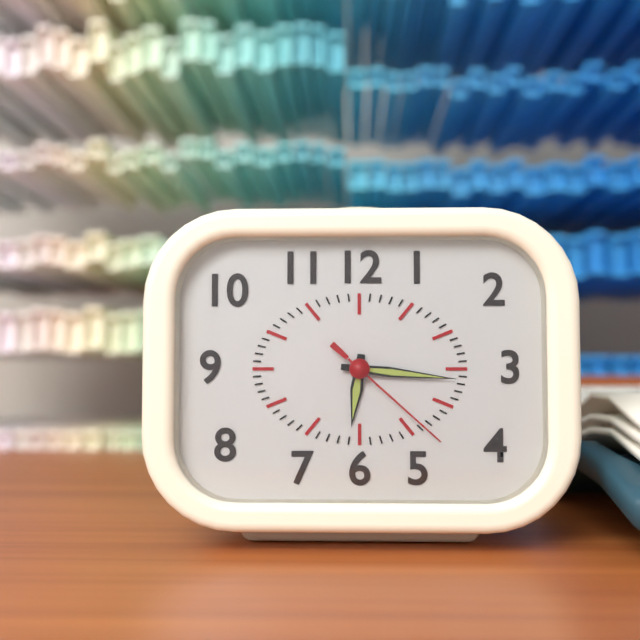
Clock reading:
{"hour": 6, "minute": 16, "second": 22}
